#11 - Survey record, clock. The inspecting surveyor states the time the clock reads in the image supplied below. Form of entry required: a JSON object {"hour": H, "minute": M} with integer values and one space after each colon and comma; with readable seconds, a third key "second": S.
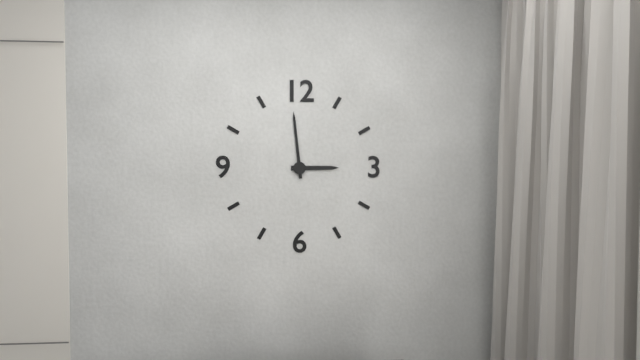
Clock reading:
{"hour": 2, "minute": 59}
